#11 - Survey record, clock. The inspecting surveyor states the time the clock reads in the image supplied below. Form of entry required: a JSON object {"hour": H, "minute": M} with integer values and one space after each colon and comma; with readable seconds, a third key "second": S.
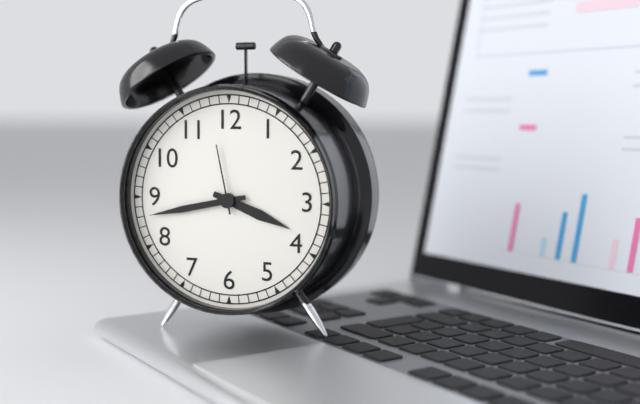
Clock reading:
{"hour": 3, "minute": 43, "second": 58}
